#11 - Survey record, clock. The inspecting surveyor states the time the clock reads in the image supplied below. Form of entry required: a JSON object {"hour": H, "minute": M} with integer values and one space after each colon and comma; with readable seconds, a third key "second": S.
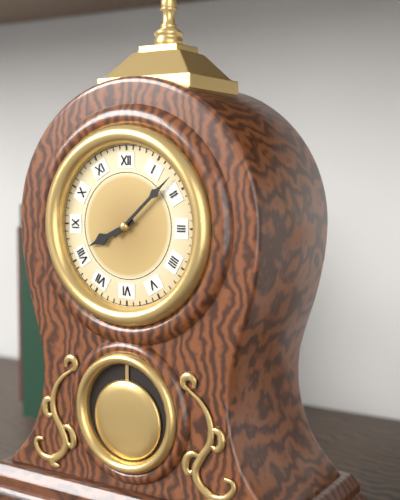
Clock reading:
{"hour": 8, "minute": 8}
